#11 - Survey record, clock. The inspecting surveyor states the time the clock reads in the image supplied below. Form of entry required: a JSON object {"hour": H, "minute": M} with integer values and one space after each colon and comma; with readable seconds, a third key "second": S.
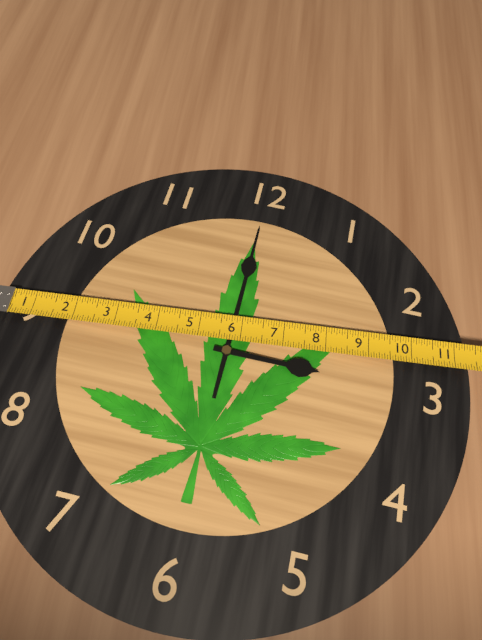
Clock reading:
{"hour": 3, "minute": 0}
